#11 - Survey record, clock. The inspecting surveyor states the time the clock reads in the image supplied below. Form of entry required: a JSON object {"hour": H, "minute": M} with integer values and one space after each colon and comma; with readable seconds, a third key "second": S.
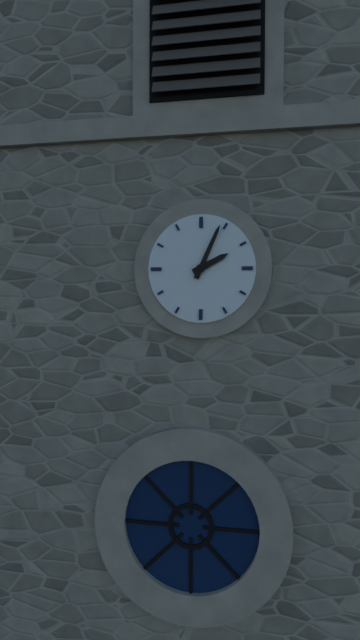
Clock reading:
{"hour": 2, "minute": 4}
